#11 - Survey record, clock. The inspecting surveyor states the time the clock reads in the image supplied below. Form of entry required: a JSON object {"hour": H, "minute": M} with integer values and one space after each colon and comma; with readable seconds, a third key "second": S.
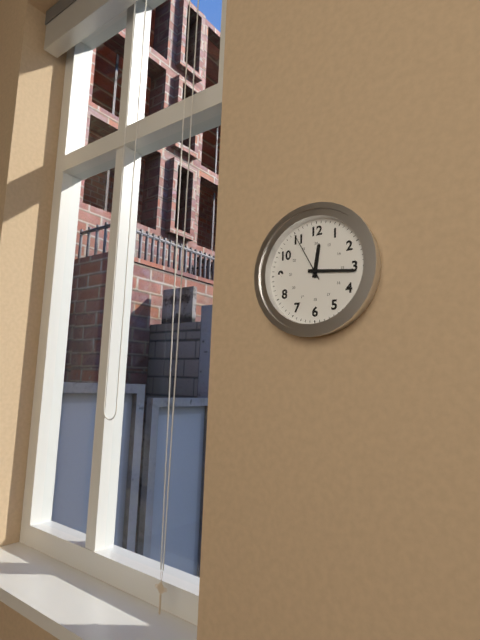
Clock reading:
{"hour": 12, "minute": 16, "second": 55}
